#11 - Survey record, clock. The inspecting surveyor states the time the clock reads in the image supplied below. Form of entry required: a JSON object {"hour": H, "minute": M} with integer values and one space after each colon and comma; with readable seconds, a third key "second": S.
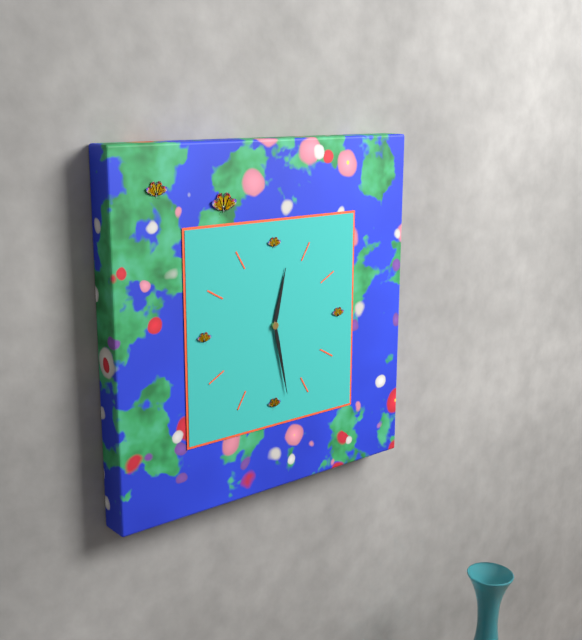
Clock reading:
{"hour": 12, "minute": 28}
